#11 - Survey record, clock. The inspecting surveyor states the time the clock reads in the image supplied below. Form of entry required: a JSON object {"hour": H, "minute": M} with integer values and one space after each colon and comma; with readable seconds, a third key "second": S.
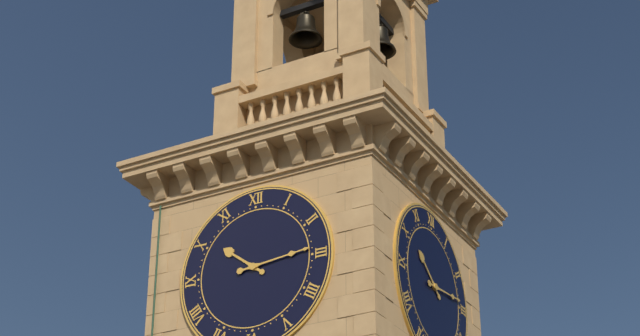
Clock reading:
{"hour": 10, "minute": 14}
